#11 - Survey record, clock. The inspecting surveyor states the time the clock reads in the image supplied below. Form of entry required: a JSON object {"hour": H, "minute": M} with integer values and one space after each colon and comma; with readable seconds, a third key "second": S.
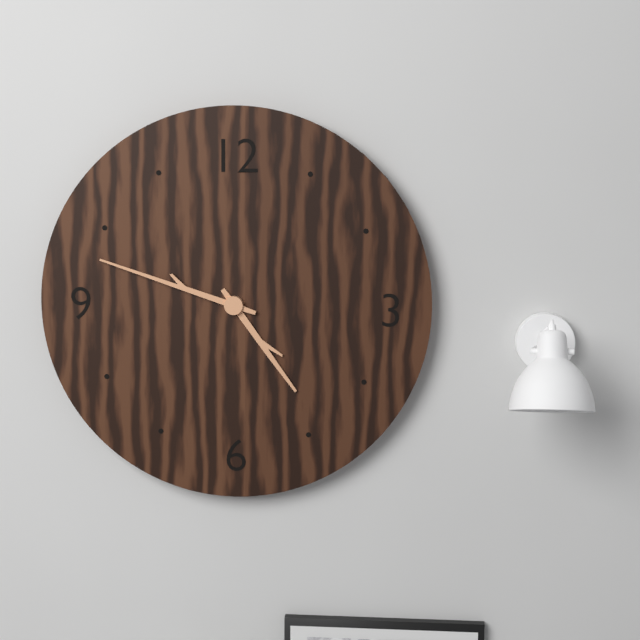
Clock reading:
{"hour": 4, "minute": 48}
